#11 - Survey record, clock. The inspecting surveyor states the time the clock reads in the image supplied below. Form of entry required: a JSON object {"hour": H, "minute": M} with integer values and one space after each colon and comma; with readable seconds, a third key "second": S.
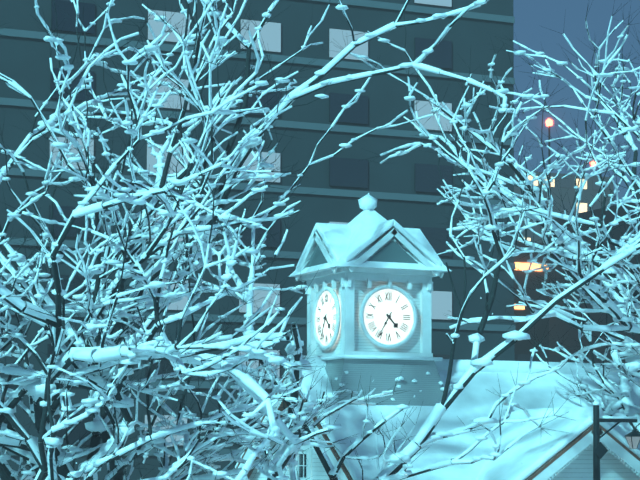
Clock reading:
{"hour": 4, "minute": 35}
